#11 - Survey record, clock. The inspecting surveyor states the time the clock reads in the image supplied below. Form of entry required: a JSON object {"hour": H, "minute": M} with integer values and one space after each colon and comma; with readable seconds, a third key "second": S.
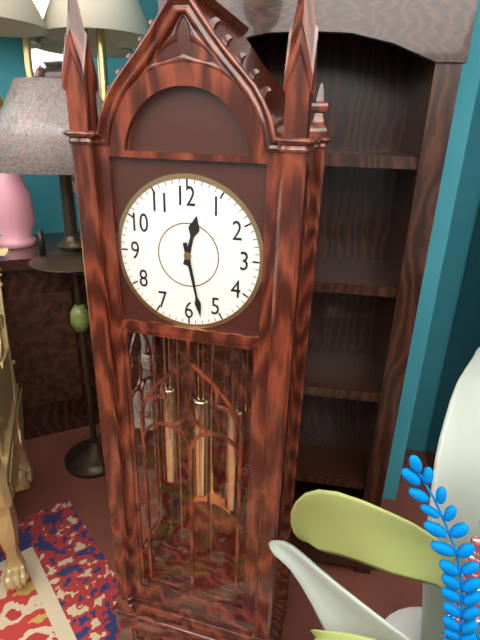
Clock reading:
{"hour": 12, "minute": 28}
